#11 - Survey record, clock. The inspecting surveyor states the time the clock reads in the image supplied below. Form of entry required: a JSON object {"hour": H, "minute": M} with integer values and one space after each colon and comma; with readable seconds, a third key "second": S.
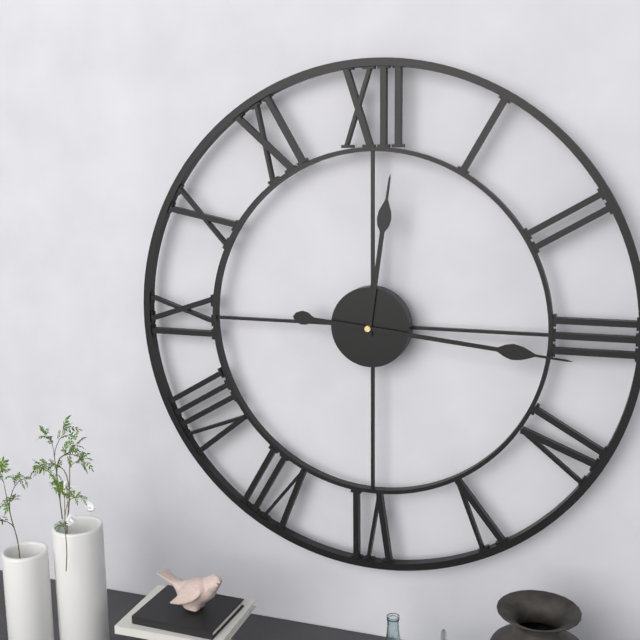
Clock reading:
{"hour": 12, "minute": 16}
